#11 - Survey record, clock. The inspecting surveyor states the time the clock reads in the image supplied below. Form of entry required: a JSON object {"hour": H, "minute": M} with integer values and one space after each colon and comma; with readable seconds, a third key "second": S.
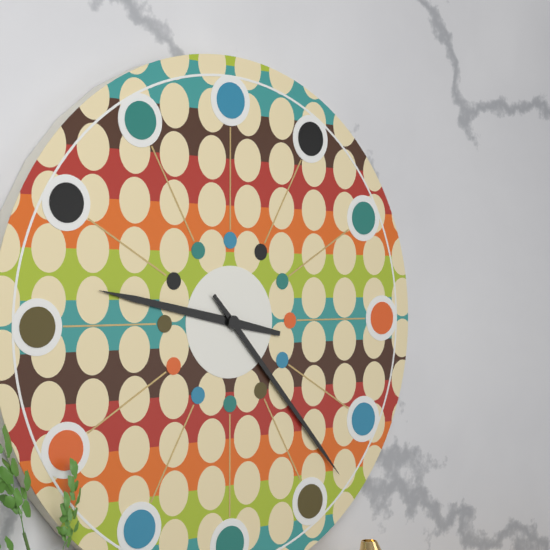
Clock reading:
{"hour": 9, "minute": 23}
